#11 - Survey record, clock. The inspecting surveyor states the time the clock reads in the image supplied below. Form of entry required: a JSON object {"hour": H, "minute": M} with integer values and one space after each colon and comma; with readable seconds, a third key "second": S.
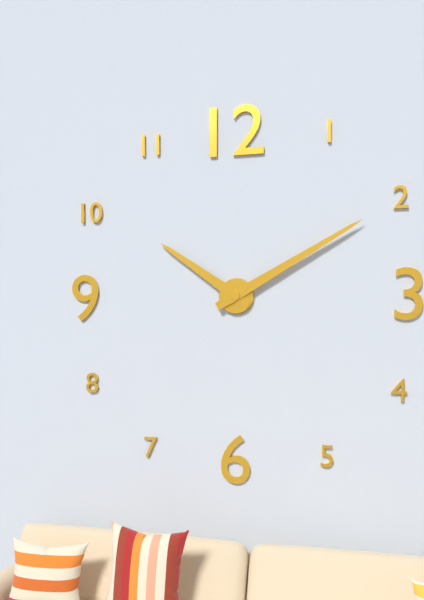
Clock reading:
{"hour": 10, "minute": 10}
